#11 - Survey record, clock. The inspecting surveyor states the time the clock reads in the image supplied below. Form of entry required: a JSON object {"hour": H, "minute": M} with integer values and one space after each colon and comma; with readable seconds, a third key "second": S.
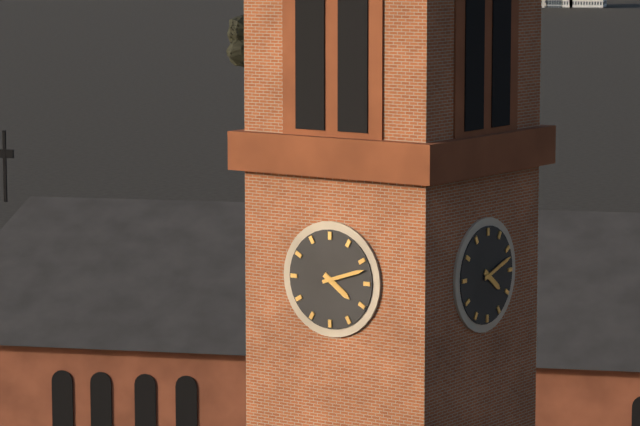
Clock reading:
{"hour": 4, "minute": 12}
